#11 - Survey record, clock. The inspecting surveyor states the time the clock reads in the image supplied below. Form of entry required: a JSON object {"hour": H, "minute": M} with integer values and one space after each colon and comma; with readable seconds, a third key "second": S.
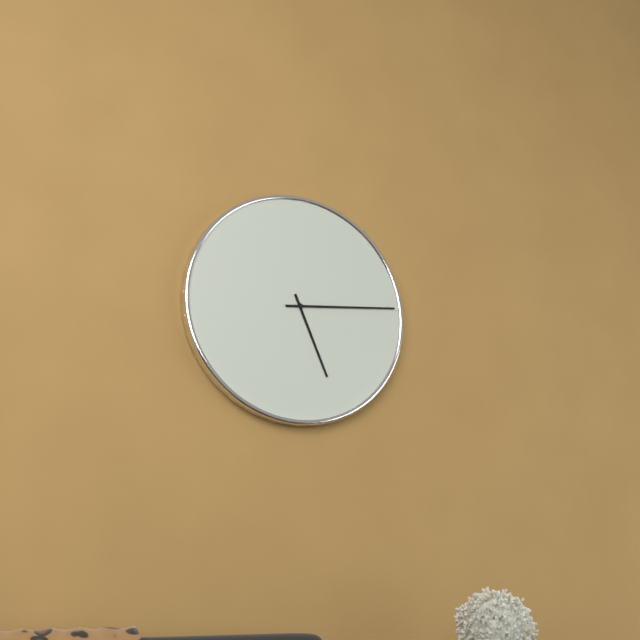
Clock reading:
{"hour": 5, "minute": 14}
